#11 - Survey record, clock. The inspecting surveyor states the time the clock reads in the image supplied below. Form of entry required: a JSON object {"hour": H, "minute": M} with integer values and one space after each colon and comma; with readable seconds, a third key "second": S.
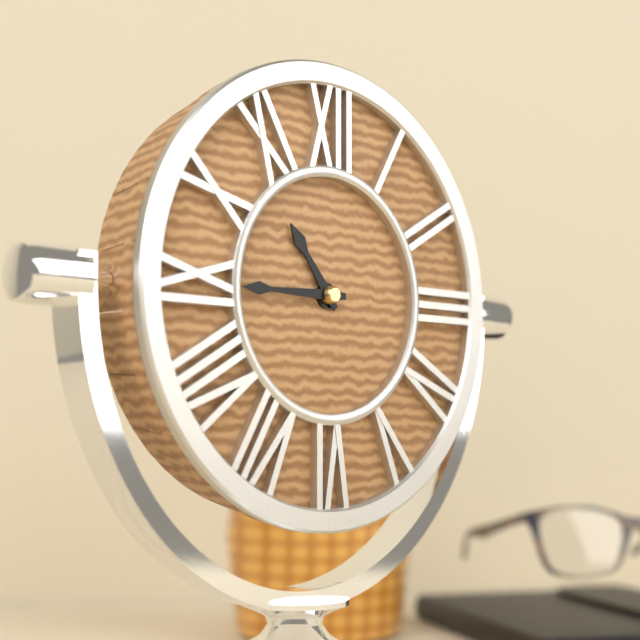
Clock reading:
{"hour": 10, "minute": 45}
